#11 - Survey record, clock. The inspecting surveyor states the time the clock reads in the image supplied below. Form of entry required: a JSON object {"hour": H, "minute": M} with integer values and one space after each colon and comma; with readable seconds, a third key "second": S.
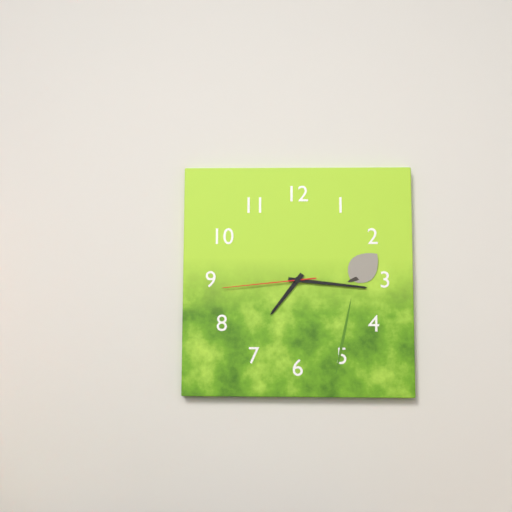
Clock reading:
{"hour": 7, "minute": 16, "second": 44}
